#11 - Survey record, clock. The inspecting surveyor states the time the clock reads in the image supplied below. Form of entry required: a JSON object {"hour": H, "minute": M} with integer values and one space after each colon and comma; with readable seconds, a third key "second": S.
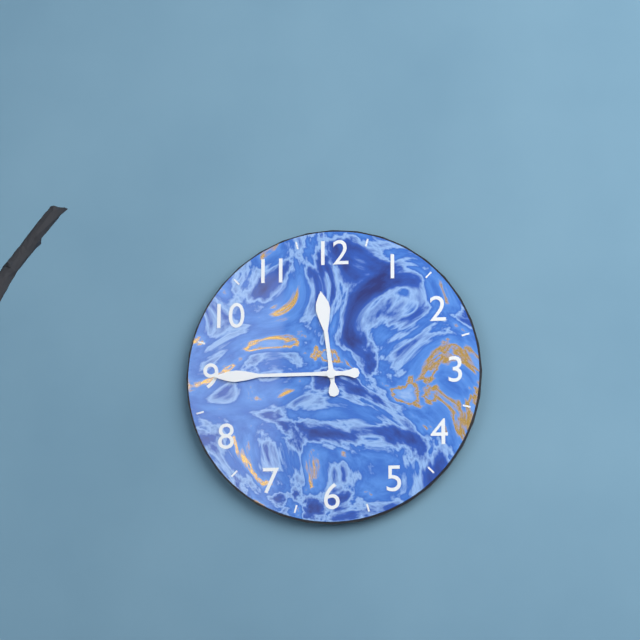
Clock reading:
{"hour": 11, "minute": 45}
